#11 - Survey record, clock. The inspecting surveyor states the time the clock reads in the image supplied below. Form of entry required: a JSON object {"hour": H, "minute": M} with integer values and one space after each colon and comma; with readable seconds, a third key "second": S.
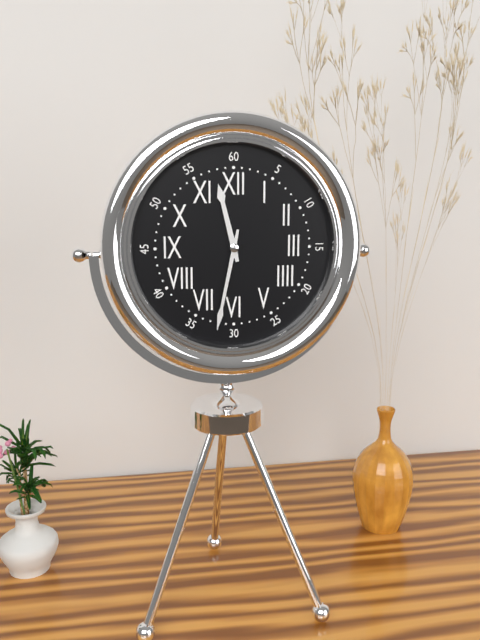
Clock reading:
{"hour": 11, "minute": 32}
